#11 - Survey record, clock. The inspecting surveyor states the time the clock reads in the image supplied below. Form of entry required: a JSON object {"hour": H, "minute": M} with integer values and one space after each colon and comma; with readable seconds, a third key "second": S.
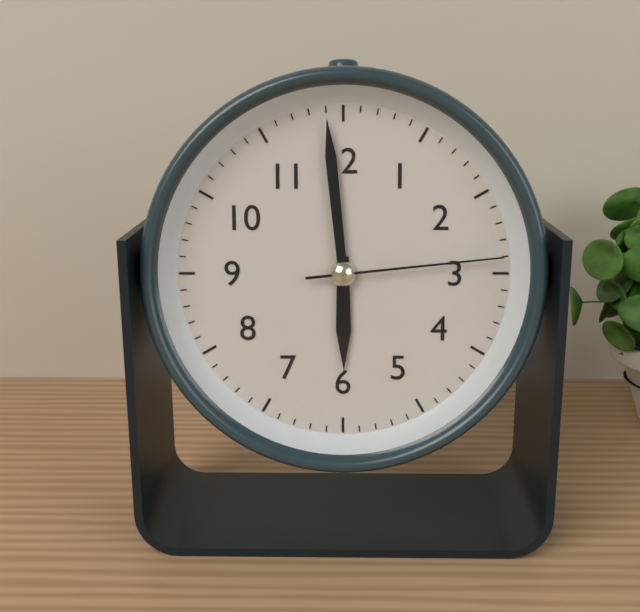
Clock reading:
{"hour": 5, "minute": 59, "second": 14}
